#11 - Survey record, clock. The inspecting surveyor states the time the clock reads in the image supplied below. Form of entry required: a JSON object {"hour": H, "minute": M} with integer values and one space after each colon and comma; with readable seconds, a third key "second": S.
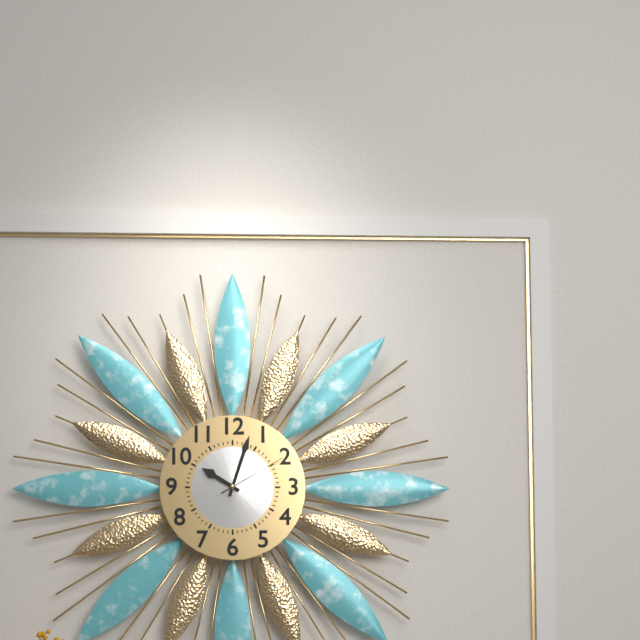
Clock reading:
{"hour": 10, "minute": 3, "second": 10}
